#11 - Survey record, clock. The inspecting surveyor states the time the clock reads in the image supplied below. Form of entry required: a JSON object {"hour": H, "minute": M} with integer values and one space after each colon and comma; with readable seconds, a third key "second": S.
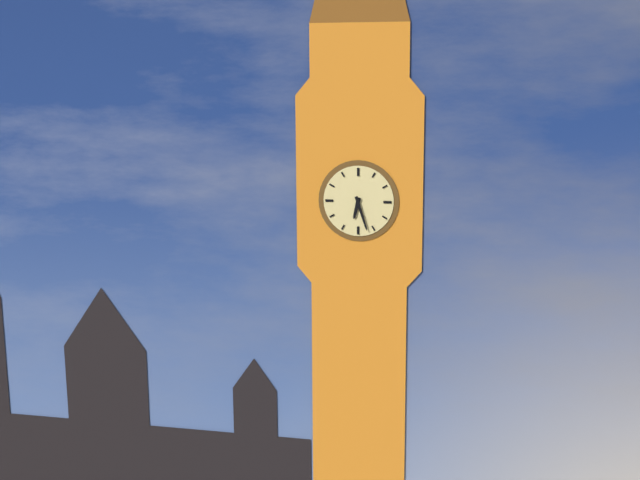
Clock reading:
{"hour": 6, "minute": 27}
